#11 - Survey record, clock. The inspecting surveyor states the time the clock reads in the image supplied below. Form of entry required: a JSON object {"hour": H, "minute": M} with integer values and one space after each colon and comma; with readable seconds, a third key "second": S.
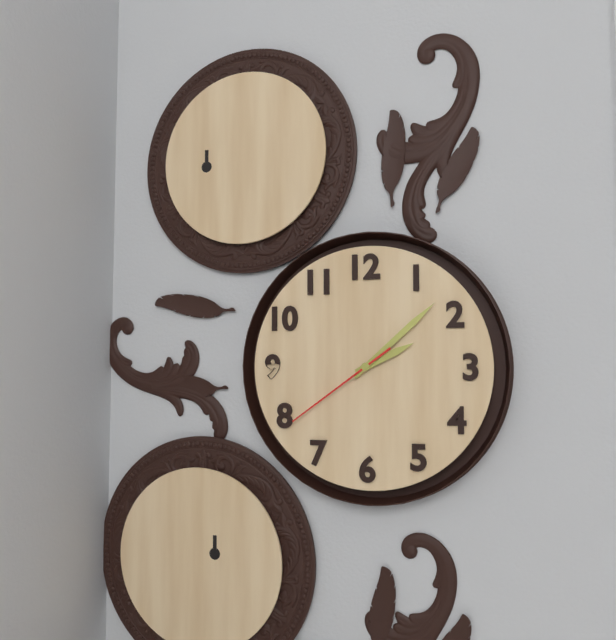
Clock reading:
{"hour": 2, "minute": 8, "second": 39}
